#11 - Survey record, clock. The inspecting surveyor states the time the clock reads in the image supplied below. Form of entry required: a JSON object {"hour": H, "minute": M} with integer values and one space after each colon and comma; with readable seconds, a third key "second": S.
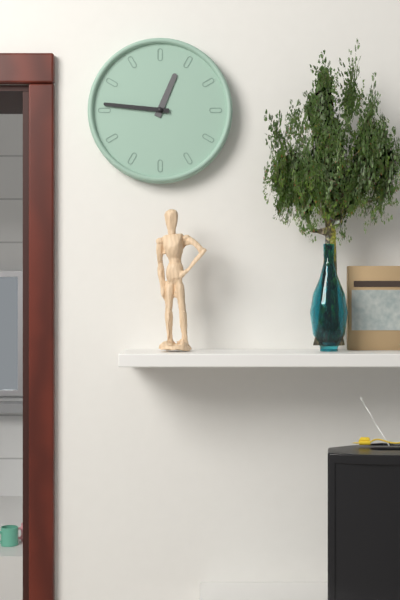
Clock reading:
{"hour": 12, "minute": 46}
